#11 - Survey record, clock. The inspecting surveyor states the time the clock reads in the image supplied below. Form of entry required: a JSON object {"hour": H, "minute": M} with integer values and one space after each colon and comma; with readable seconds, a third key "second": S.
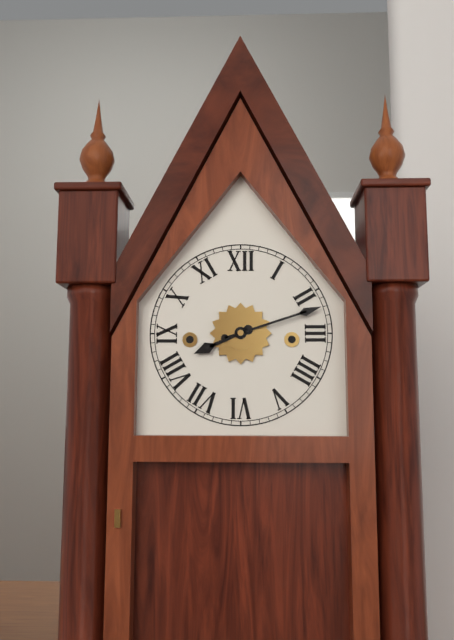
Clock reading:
{"hour": 8, "minute": 12}
